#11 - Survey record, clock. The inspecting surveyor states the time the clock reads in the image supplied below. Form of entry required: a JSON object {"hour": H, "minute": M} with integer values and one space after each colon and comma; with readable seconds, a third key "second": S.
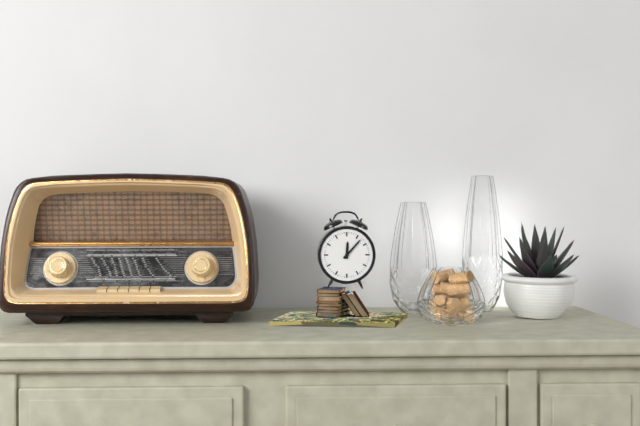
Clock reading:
{"hour": 12, "minute": 7}
